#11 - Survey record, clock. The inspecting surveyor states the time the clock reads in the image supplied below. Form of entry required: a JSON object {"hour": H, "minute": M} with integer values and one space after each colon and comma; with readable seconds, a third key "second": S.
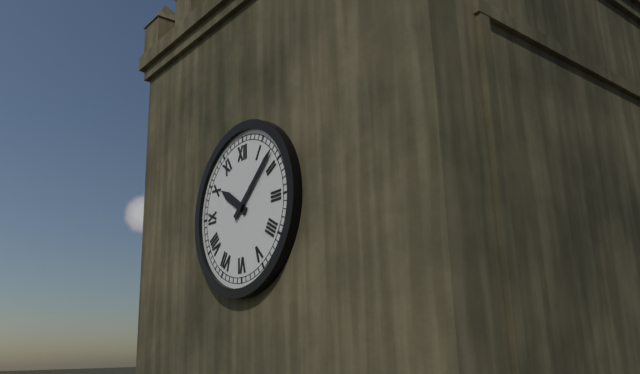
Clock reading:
{"hour": 10, "minute": 8}
